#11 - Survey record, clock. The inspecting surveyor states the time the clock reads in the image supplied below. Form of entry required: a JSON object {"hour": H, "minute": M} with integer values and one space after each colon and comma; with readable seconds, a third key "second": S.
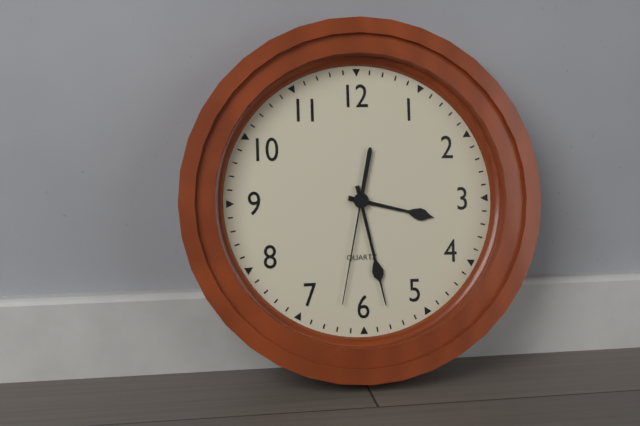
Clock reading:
{"hour": 3, "minute": 28, "second": 32}
